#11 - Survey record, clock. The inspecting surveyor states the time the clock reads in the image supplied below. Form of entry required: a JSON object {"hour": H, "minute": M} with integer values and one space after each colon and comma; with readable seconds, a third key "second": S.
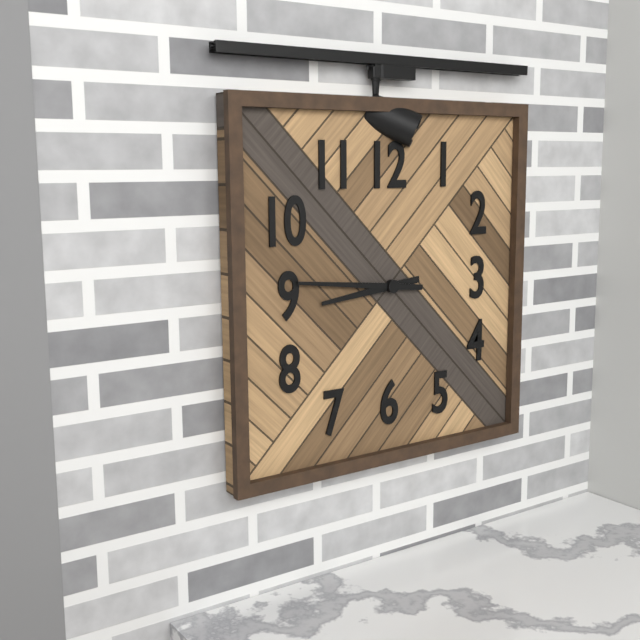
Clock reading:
{"hour": 8, "minute": 46}
